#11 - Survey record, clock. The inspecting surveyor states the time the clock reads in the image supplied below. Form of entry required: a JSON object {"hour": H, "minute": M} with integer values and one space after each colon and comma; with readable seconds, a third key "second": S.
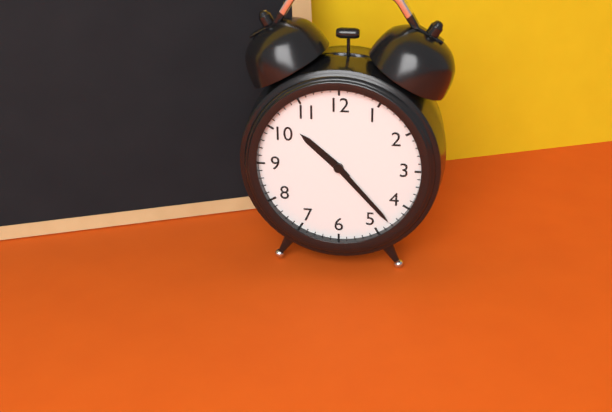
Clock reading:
{"hour": 10, "minute": 23}
